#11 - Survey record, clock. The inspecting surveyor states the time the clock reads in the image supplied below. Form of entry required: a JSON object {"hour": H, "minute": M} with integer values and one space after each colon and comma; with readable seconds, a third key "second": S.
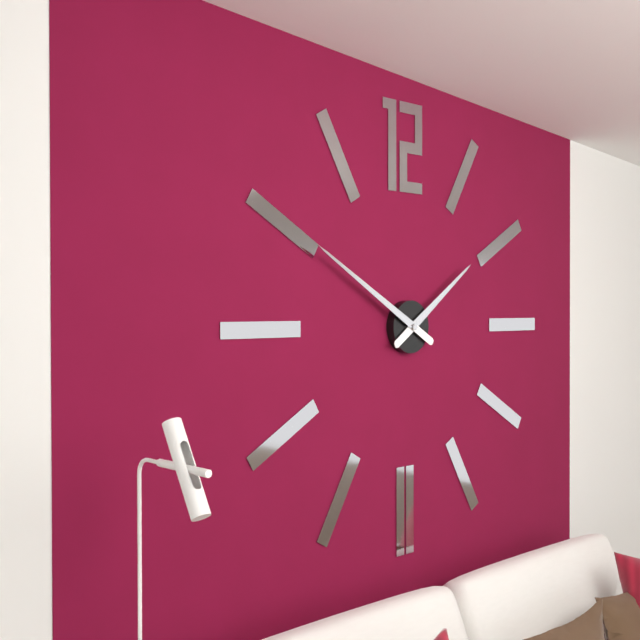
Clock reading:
{"hour": 1, "minute": 50}
